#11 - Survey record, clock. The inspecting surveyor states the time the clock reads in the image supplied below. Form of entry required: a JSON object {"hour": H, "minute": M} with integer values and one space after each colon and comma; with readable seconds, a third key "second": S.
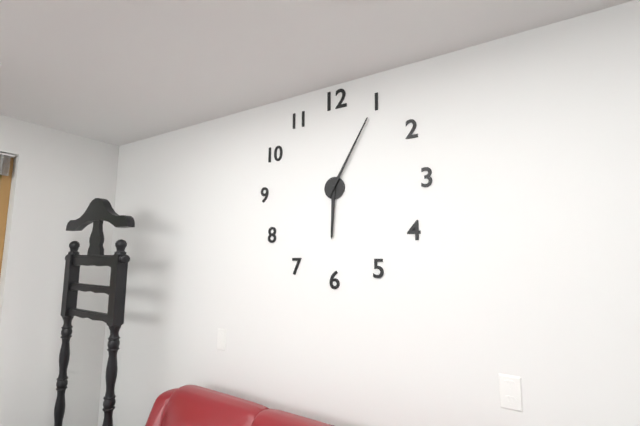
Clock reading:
{"hour": 6, "minute": 5}
